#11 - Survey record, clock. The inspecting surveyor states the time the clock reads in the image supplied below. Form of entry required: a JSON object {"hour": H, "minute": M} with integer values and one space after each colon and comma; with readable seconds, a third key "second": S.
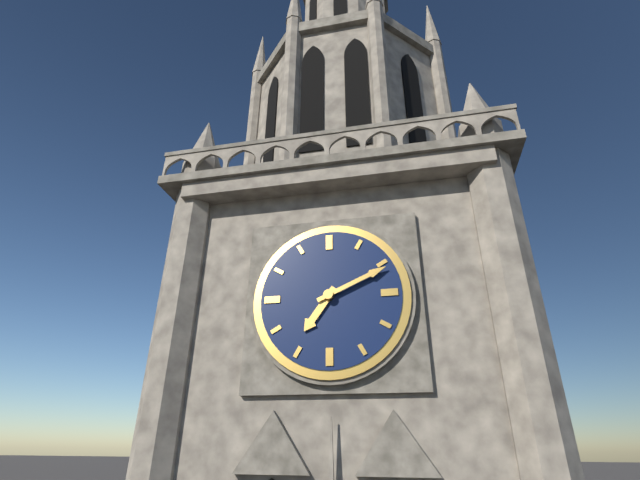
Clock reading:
{"hour": 7, "minute": 11}
